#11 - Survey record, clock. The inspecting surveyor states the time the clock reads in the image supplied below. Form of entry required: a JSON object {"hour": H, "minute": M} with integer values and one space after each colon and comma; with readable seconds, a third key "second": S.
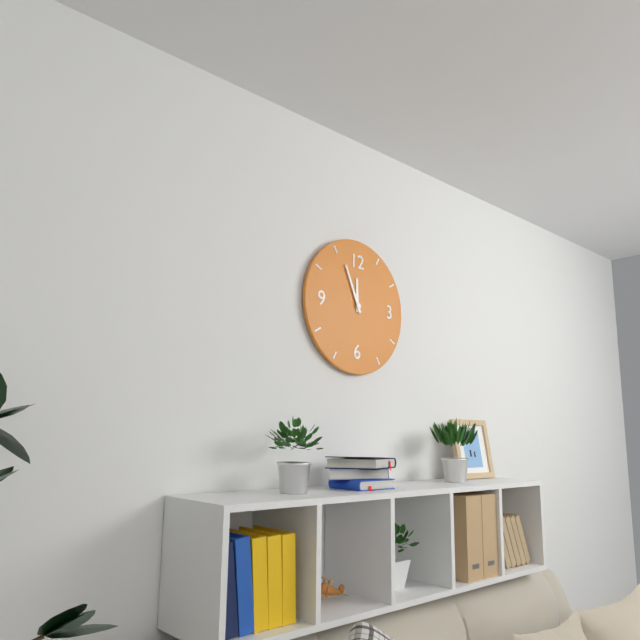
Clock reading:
{"hour": 11, "minute": 56}
